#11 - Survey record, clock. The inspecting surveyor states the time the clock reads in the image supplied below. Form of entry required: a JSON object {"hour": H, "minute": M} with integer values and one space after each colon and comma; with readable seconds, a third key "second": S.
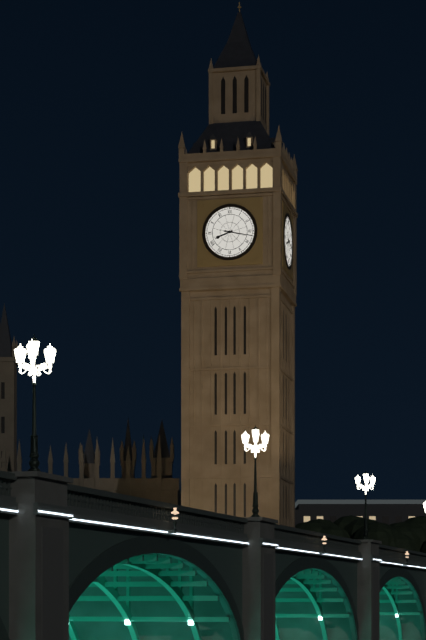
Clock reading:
{"hour": 8, "minute": 17}
